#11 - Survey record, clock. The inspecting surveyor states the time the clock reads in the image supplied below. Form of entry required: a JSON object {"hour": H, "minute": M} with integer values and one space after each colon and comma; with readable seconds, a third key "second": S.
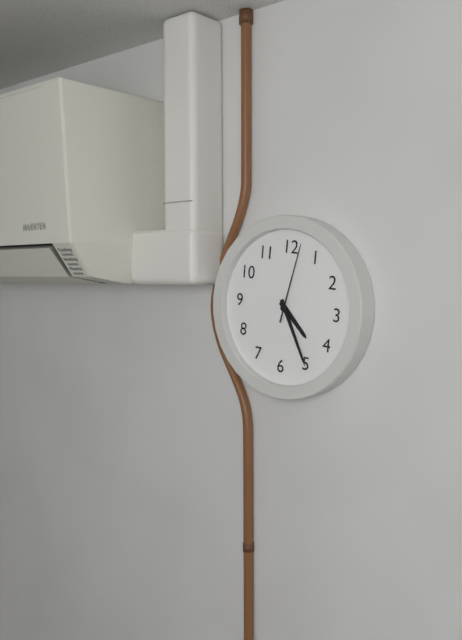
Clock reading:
{"hour": 4, "minute": 25, "second": 2}
